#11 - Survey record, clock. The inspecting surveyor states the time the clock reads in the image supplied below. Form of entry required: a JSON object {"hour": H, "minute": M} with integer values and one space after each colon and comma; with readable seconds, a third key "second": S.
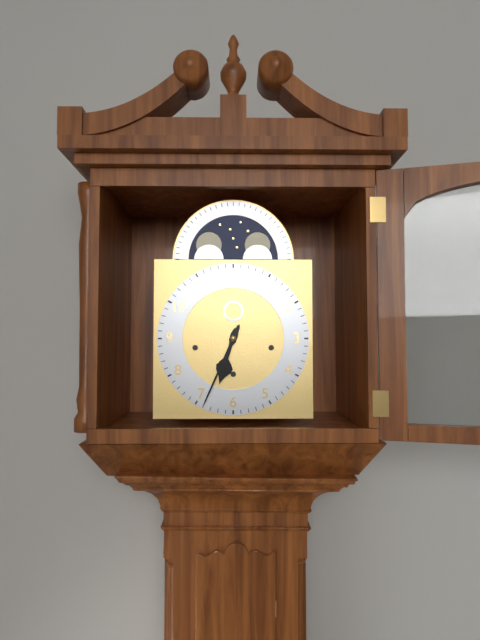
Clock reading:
{"hour": 6, "minute": 34}
